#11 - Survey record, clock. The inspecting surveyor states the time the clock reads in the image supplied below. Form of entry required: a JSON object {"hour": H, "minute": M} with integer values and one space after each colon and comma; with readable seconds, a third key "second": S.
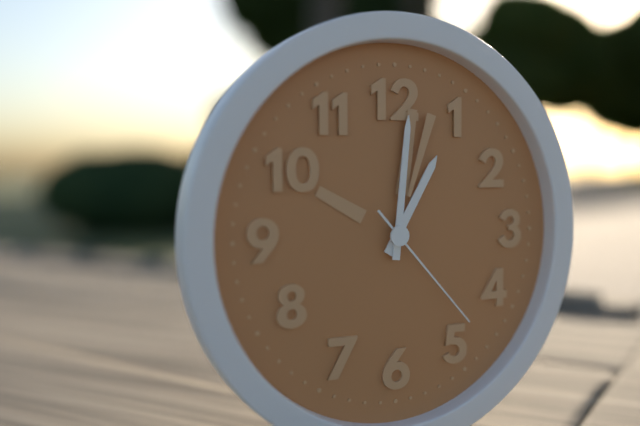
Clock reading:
{"hour": 1, "minute": 1, "second": 23}
